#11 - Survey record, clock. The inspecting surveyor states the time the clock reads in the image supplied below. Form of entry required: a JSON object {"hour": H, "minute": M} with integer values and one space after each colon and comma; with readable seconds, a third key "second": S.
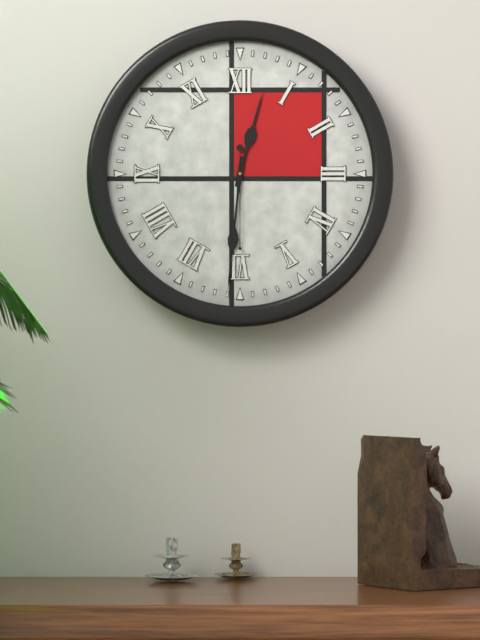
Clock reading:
{"hour": 12, "minute": 31, "second": 30}
